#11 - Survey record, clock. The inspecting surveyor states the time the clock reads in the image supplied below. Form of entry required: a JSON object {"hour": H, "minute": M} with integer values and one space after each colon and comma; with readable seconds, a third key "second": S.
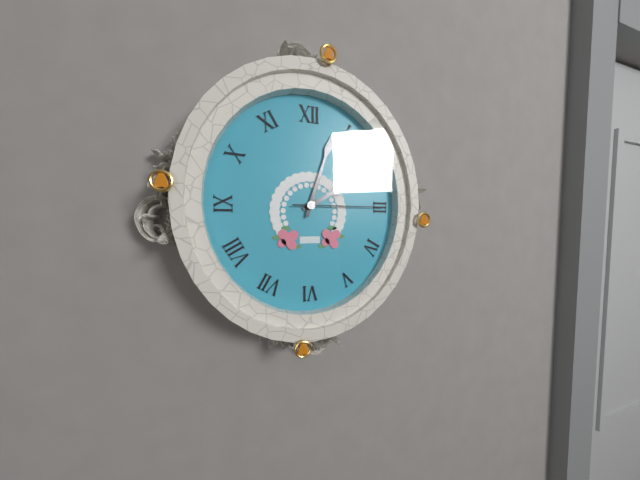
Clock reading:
{"hour": 2, "minute": 3, "second": 15}
